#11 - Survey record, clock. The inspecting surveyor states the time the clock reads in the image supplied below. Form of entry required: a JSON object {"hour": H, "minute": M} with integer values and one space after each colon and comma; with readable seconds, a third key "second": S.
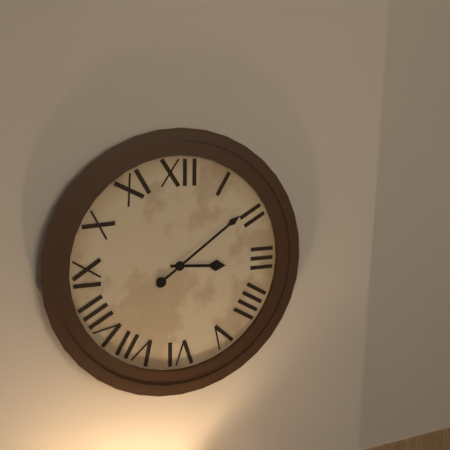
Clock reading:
{"hour": 3, "minute": 9}
